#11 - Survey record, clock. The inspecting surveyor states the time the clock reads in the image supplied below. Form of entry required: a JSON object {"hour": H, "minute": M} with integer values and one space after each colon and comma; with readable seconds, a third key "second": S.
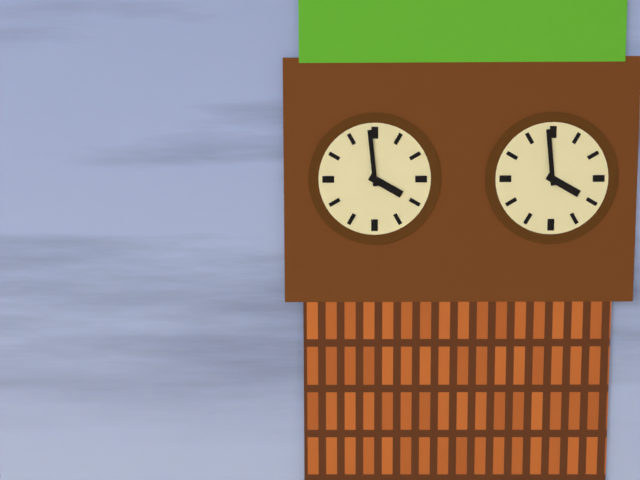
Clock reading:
{"hour": 3, "minute": 59}
